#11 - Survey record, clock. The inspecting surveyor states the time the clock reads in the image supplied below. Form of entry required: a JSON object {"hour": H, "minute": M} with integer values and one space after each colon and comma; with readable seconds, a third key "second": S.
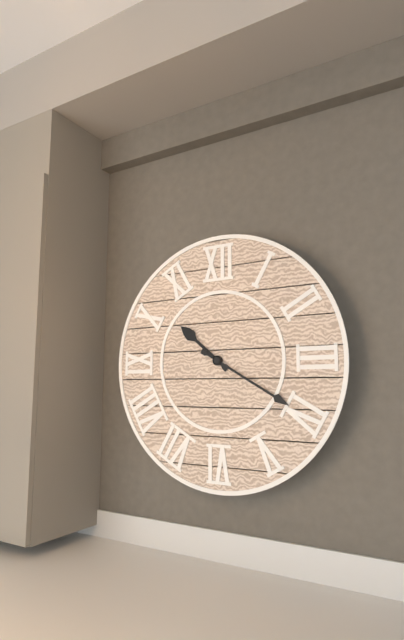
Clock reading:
{"hour": 10, "minute": 20}
